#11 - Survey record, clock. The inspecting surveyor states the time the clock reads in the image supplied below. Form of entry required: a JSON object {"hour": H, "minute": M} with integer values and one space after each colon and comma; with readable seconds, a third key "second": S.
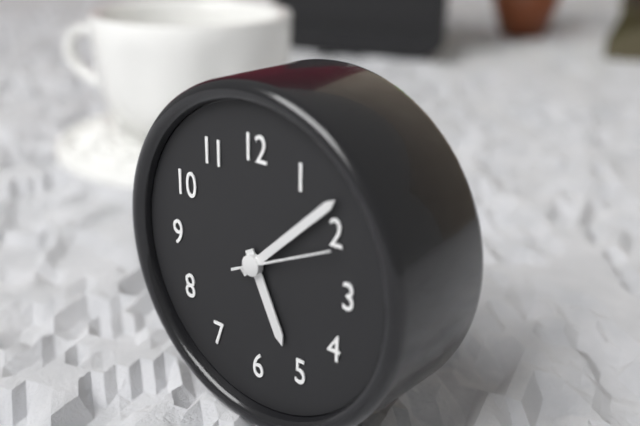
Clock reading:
{"hour": 5, "minute": 8}
